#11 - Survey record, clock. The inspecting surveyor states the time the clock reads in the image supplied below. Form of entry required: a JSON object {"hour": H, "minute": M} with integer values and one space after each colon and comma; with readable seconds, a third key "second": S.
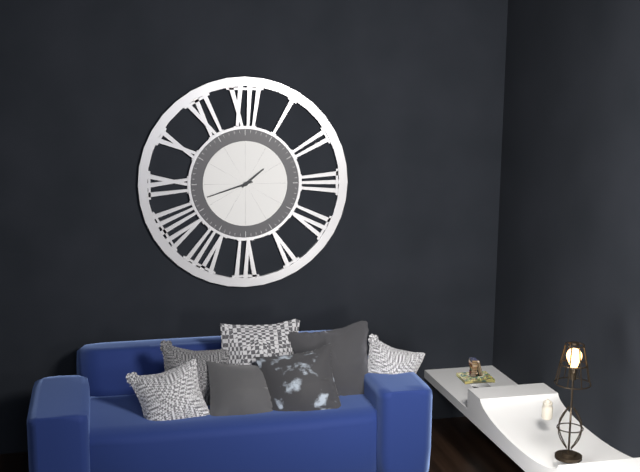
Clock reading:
{"hour": 1, "minute": 42}
